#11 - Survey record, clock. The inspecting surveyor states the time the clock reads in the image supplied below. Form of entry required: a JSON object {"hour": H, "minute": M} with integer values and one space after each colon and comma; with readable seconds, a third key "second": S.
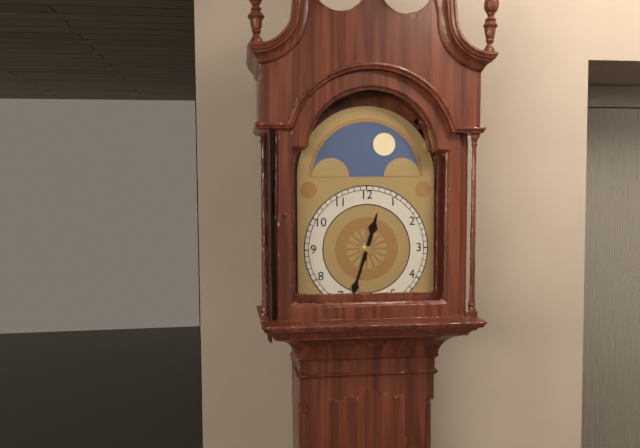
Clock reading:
{"hour": 12, "minute": 33}
